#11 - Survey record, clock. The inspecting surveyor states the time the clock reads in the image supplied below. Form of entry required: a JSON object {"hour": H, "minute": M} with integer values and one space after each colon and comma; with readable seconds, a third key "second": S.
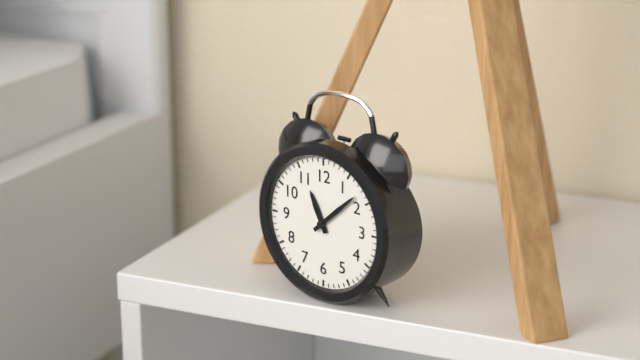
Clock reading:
{"hour": 11, "minute": 8}
